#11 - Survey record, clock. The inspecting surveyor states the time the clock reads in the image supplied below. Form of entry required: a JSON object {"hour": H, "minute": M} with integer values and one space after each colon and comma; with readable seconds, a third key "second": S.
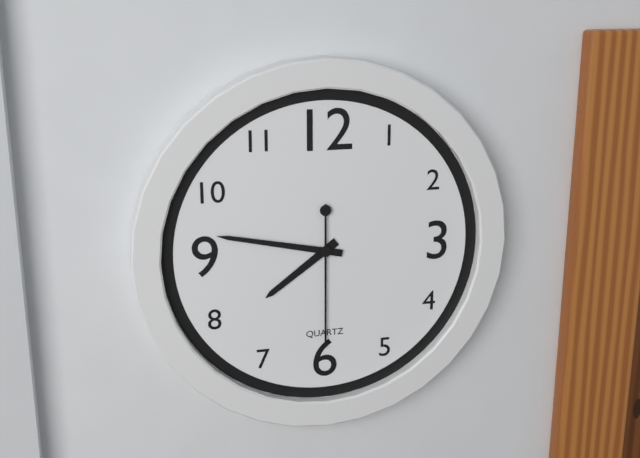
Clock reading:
{"hour": 7, "minute": 47, "second": 30}
